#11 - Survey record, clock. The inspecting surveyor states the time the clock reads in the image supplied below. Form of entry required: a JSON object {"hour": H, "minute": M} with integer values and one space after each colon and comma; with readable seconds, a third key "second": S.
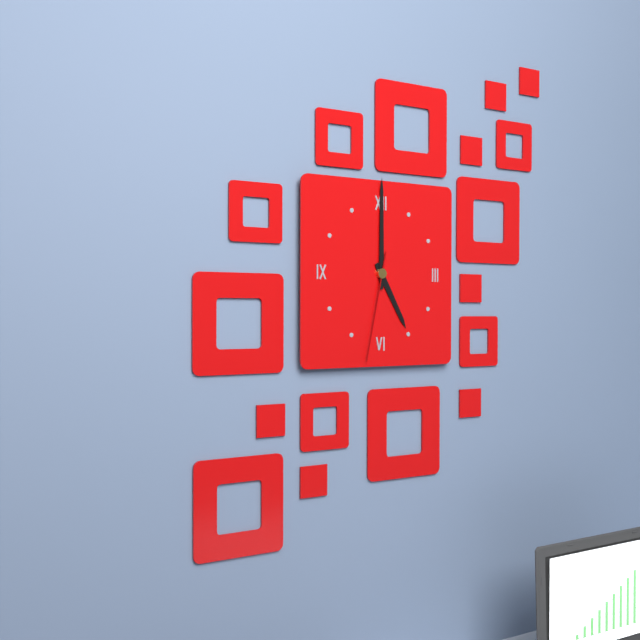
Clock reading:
{"hour": 5, "minute": 0, "second": 32}
